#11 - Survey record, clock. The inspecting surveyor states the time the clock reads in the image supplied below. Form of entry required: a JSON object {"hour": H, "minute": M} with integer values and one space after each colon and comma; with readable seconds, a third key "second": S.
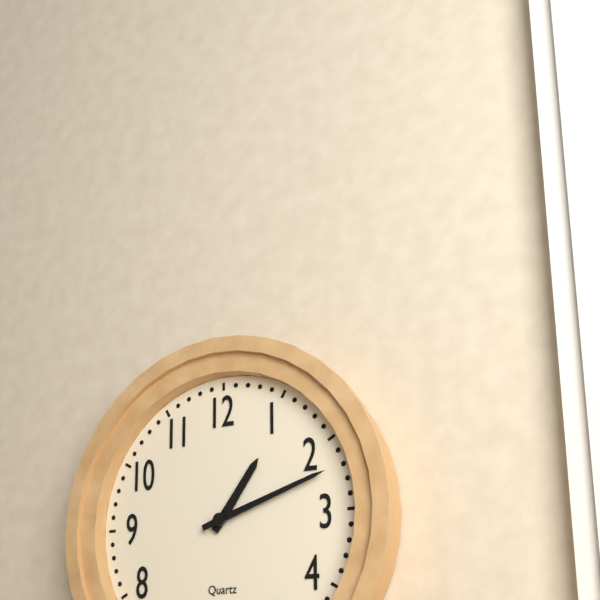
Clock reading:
{"hour": 1, "minute": 12}
